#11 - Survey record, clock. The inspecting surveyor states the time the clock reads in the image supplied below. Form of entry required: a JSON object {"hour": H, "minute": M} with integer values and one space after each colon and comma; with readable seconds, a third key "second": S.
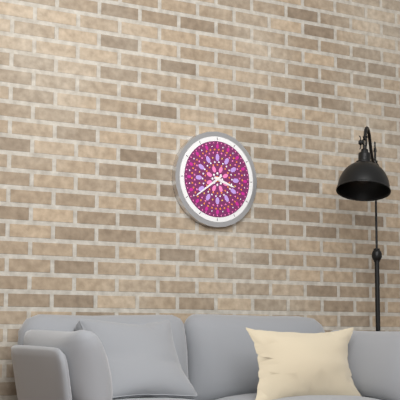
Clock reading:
{"hour": 3, "minute": 39}
